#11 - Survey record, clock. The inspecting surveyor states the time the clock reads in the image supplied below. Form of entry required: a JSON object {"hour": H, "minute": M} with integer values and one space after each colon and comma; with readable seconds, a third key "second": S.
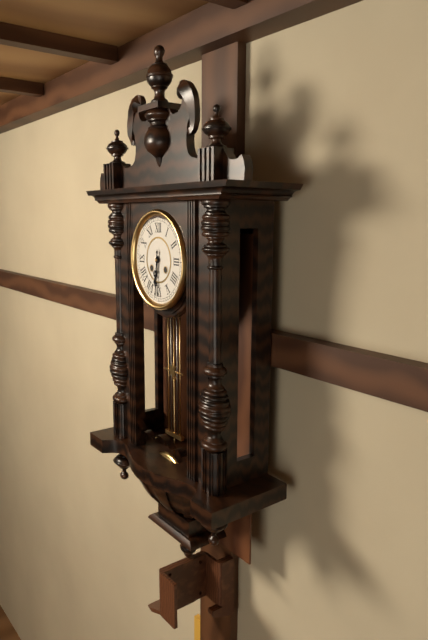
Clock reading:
{"hour": 6, "minute": 31}
